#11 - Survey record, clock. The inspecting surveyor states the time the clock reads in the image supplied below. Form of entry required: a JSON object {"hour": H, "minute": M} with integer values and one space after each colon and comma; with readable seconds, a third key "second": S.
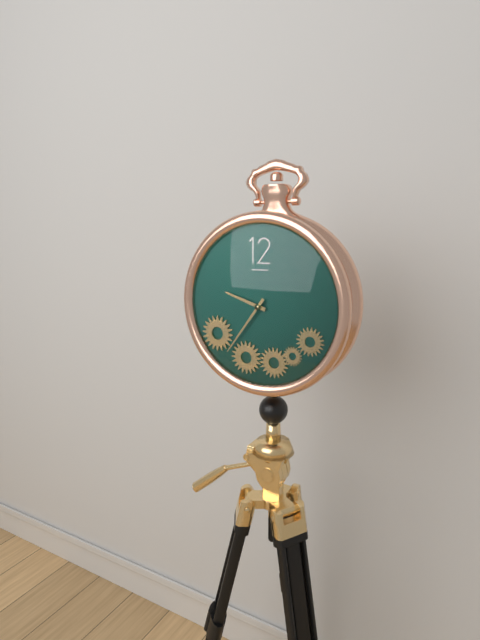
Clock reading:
{"hour": 9, "minute": 36}
